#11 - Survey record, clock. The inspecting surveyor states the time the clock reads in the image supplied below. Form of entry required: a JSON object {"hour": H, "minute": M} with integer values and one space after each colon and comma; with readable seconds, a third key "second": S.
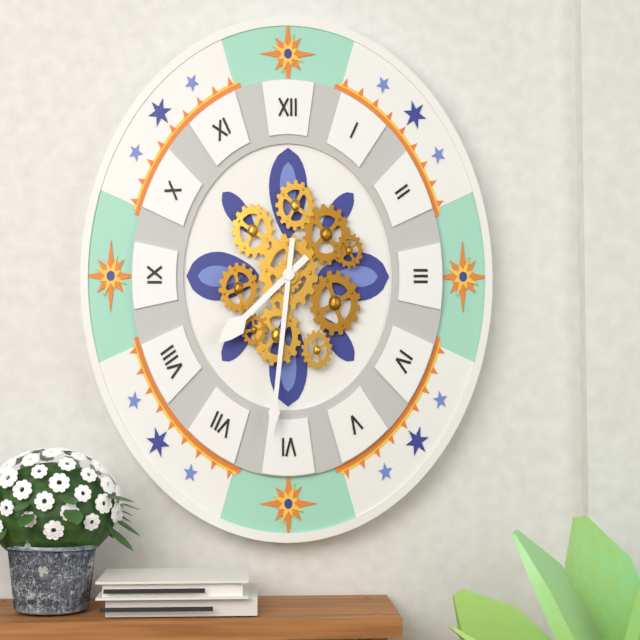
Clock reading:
{"hour": 7, "minute": 31}
